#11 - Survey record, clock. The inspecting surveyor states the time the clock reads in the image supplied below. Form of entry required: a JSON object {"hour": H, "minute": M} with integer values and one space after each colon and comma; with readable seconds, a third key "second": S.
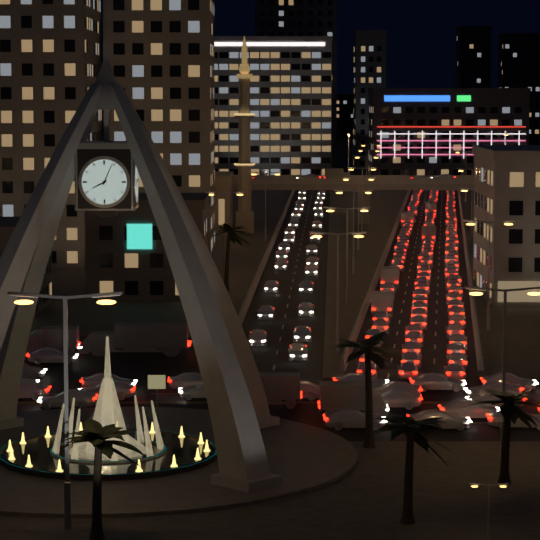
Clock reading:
{"hour": 8, "minute": 4}
